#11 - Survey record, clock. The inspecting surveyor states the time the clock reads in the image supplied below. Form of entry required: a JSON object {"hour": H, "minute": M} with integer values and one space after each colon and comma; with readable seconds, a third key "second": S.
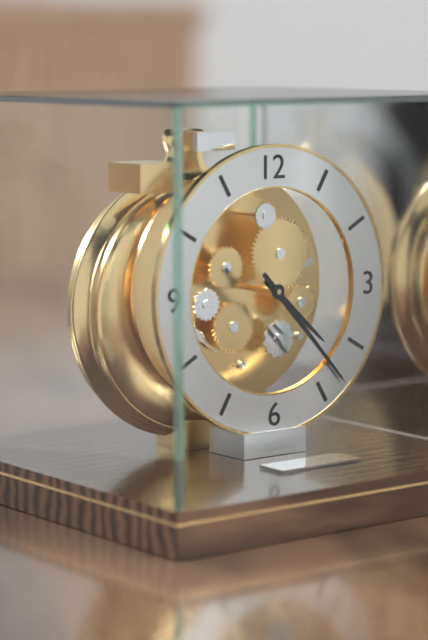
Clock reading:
{"hour": 4, "minute": 23}
